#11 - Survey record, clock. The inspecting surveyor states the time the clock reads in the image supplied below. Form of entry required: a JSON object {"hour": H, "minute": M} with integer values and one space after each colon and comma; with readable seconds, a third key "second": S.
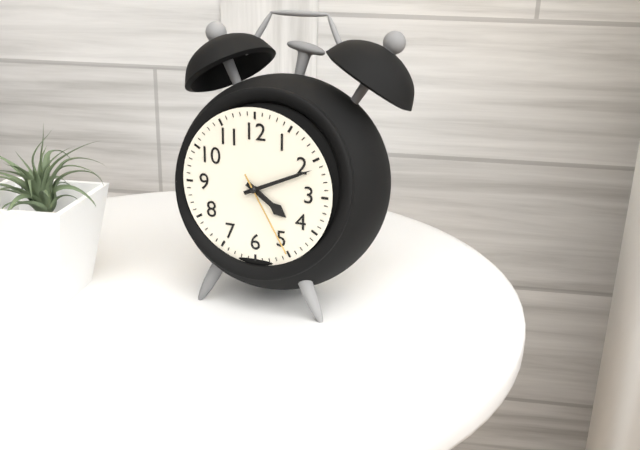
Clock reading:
{"hour": 4, "minute": 11, "second": 25}
